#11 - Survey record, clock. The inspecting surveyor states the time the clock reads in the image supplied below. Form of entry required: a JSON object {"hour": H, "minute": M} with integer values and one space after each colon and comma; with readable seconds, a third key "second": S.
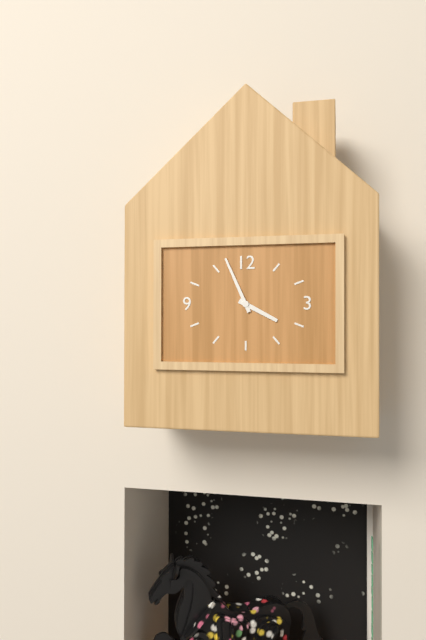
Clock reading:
{"hour": 3, "minute": 56}
